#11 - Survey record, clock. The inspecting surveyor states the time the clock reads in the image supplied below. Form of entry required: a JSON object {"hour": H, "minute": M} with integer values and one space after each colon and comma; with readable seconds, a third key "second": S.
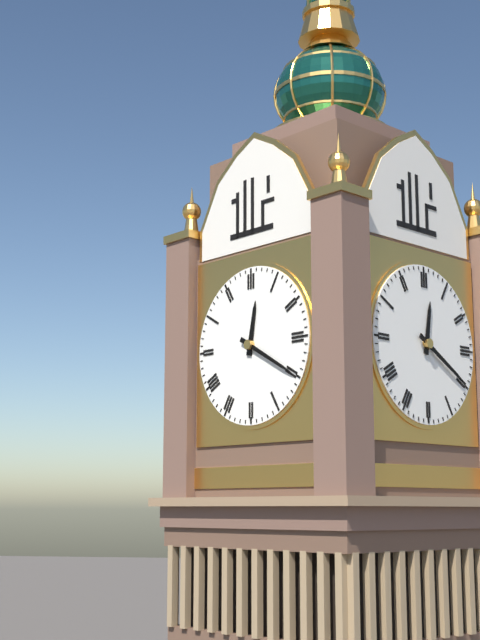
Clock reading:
{"hour": 12, "minute": 20}
